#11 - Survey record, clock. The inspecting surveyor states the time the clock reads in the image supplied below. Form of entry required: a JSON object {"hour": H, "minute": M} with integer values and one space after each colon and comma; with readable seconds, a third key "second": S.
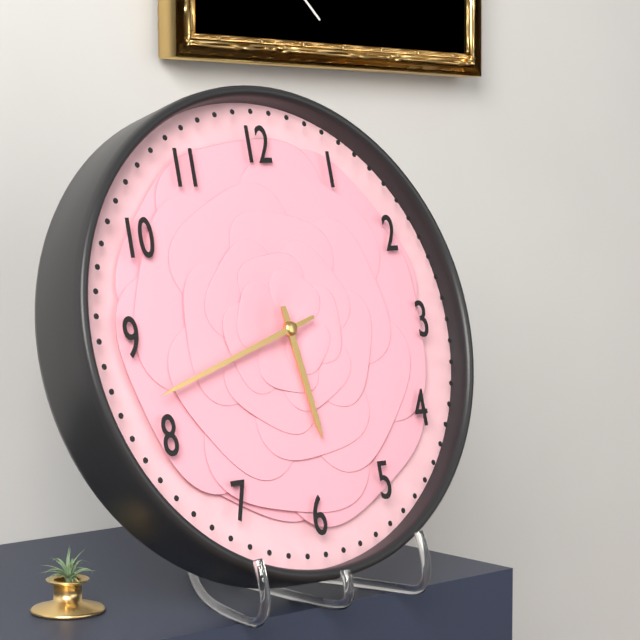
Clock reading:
{"hour": 5, "minute": 42}
